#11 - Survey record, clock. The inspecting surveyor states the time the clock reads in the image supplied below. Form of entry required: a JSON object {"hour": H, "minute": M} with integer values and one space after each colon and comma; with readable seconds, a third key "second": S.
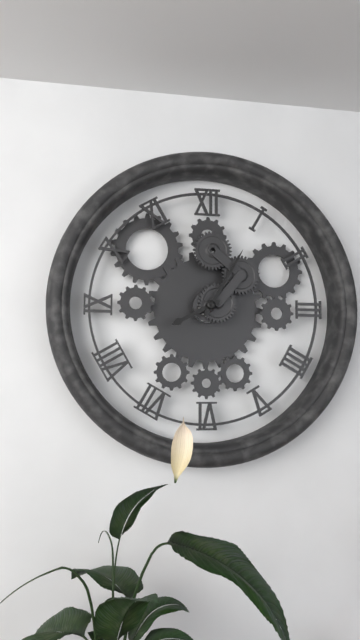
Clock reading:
{"hour": 8, "minute": 5}
